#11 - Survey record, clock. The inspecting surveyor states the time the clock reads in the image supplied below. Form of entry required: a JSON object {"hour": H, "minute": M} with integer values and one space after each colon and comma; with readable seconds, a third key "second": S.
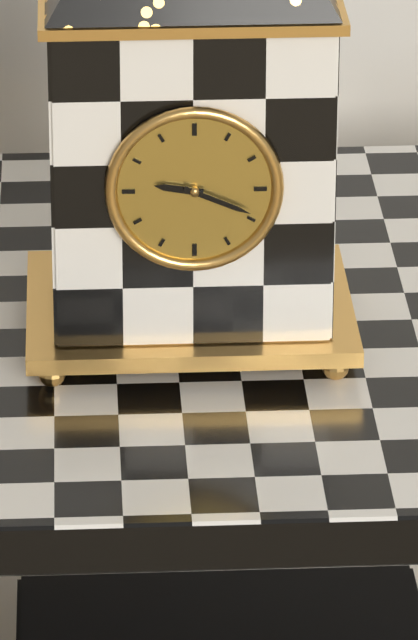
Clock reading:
{"hour": 9, "minute": 19}
